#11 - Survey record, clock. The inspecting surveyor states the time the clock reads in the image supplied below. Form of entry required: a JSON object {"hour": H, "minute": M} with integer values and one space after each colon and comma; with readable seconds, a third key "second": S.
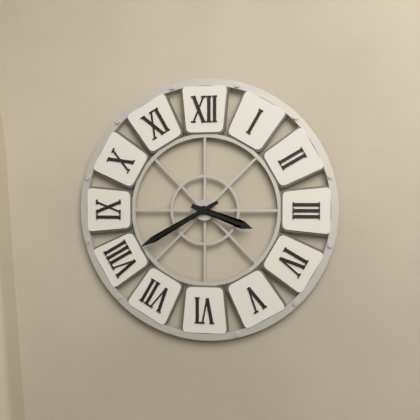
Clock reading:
{"hour": 3, "minute": 40}
